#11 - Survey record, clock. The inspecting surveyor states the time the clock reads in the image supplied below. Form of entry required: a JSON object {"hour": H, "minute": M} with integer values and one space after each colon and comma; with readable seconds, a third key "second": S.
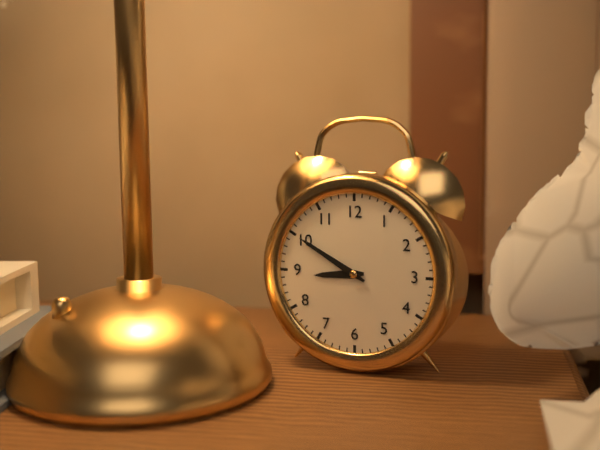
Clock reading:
{"hour": 8, "minute": 50}
